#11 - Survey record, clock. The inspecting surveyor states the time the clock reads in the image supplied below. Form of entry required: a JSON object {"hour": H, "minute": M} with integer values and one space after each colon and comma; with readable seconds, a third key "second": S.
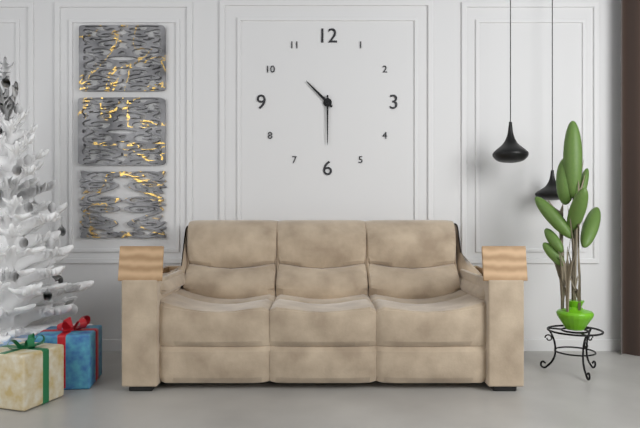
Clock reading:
{"hour": 10, "minute": 30}
